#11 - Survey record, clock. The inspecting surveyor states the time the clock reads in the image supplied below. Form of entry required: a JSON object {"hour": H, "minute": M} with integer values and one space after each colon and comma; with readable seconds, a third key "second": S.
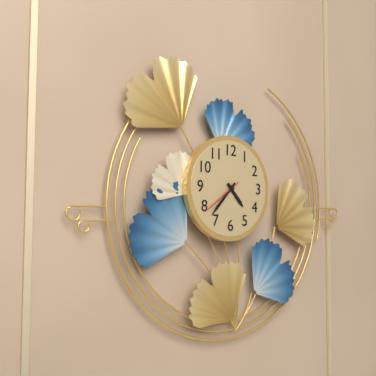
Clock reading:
{"hour": 4, "minute": 37}
